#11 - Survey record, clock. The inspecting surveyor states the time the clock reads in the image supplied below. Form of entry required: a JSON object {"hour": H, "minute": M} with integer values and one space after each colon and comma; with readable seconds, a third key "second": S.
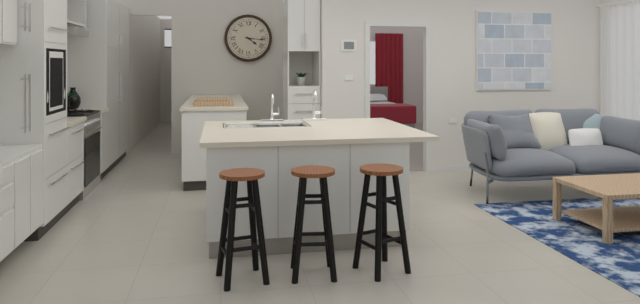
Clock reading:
{"hour": 4, "minute": 16}
